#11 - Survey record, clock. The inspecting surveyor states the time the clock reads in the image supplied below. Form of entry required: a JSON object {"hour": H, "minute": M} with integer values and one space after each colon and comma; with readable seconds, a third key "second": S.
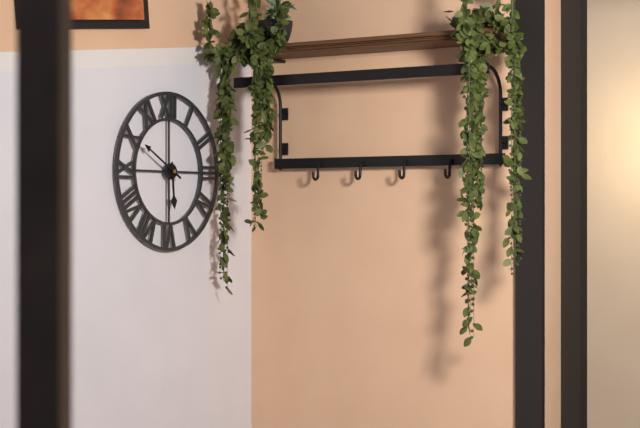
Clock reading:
{"hour": 5, "minute": 50}
